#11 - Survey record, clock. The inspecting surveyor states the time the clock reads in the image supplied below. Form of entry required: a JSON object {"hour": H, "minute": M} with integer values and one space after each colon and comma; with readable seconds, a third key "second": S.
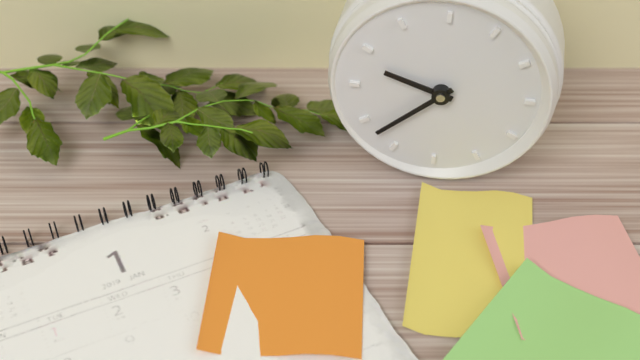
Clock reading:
{"hour": 9, "minute": 38}
